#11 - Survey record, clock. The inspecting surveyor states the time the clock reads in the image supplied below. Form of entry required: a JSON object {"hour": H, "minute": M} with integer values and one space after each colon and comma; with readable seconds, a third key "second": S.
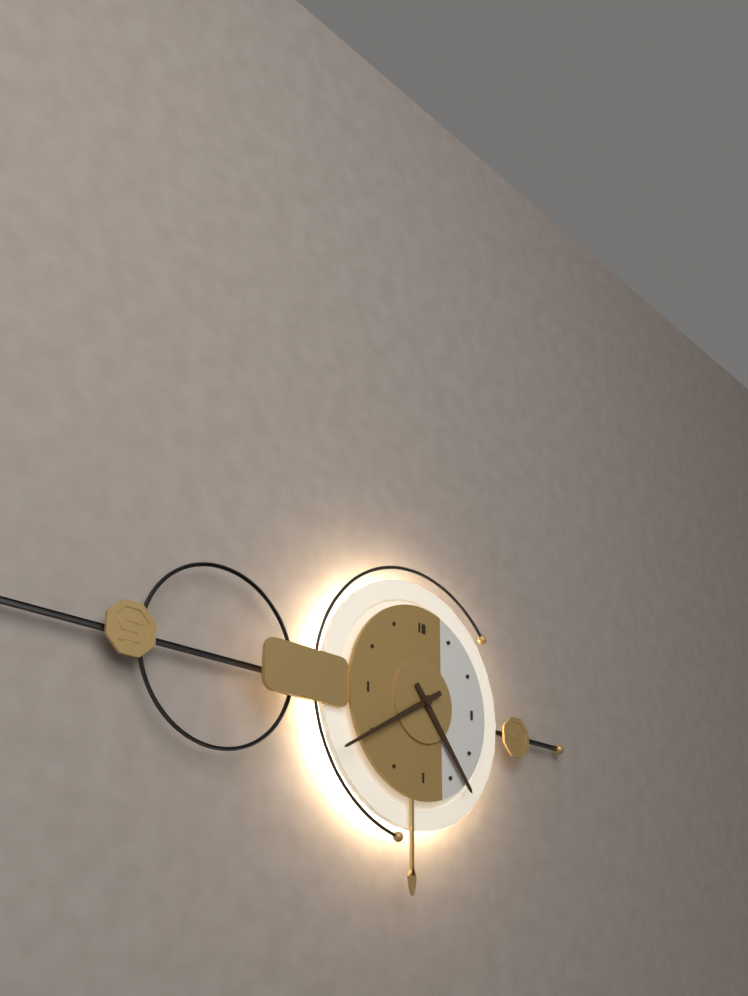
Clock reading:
{"hour": 4, "minute": 40}
